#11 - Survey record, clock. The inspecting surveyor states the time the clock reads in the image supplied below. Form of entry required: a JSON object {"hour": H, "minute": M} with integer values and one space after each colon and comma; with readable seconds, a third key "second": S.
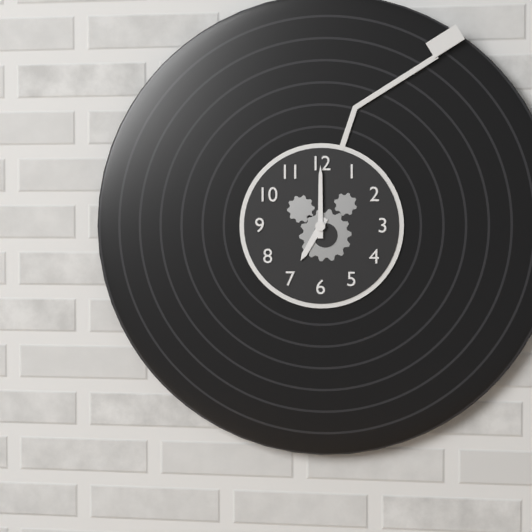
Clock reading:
{"hour": 7, "minute": 0}
